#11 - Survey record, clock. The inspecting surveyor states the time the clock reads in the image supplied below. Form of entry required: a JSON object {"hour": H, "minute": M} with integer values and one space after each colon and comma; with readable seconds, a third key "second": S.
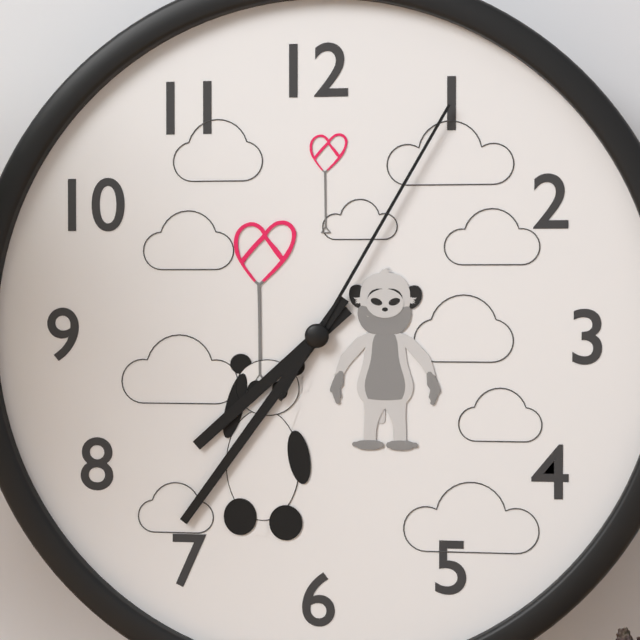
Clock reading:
{"hour": 7, "minute": 36, "second": 5}
